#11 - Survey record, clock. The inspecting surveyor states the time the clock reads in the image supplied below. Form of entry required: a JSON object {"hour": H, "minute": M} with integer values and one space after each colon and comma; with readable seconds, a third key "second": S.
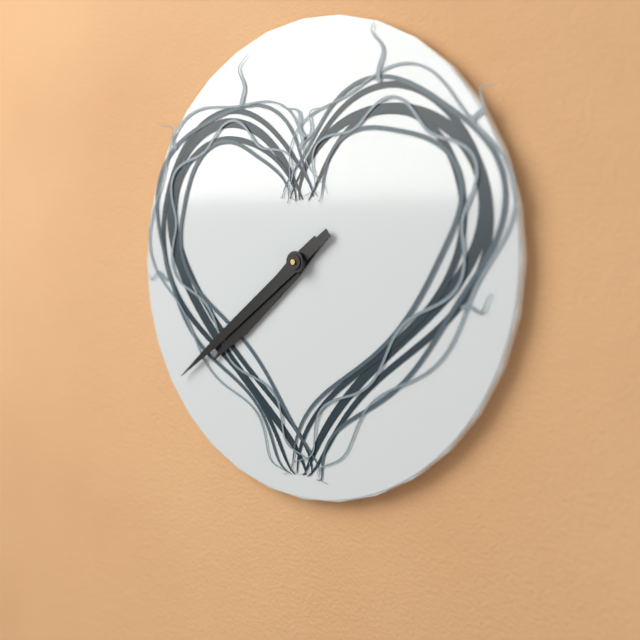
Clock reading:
{"hour": 7, "minute": 39}
